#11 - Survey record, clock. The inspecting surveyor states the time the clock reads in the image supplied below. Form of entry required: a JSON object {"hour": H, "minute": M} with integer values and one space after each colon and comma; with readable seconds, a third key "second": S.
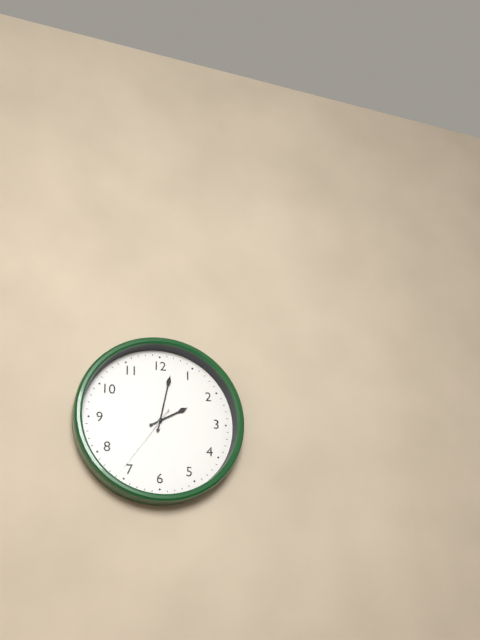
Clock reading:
{"hour": 2, "minute": 2, "second": 36}
